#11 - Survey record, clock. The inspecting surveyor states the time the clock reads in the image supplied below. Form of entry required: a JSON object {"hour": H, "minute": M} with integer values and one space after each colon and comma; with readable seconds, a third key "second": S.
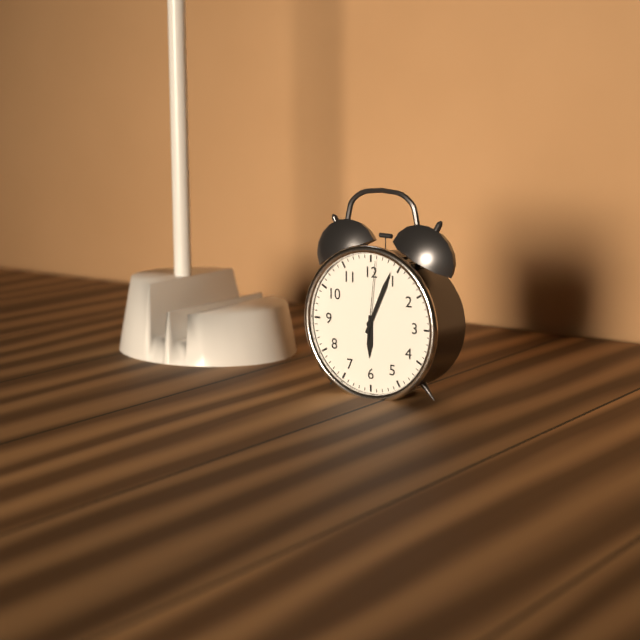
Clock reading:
{"hour": 6, "minute": 4, "second": 1}
